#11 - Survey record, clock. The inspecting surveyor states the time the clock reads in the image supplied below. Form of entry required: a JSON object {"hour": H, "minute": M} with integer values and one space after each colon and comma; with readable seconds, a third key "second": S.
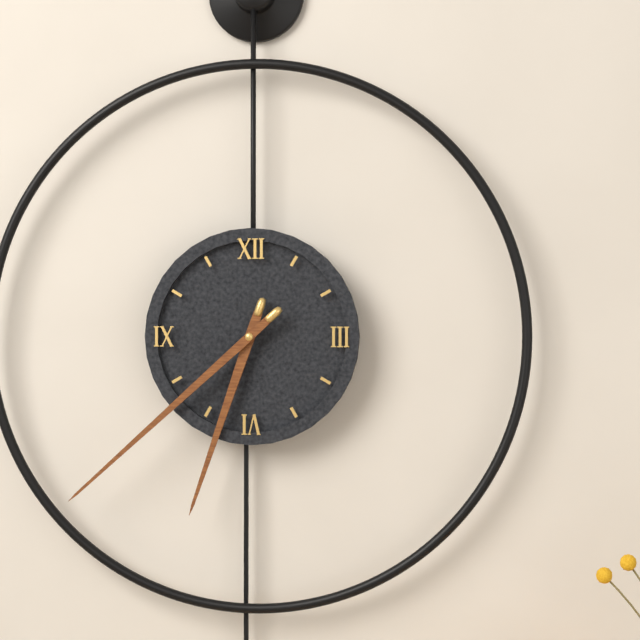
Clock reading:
{"hour": 6, "minute": 38}
